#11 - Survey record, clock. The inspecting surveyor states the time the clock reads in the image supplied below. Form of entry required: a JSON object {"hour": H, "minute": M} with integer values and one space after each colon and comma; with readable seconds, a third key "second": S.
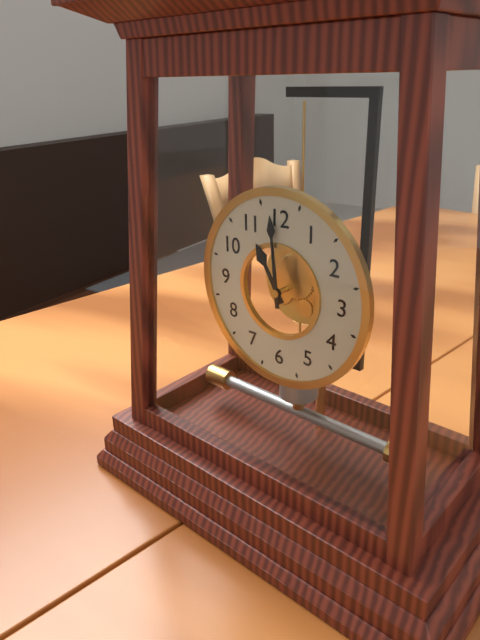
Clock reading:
{"hour": 10, "minute": 59}
